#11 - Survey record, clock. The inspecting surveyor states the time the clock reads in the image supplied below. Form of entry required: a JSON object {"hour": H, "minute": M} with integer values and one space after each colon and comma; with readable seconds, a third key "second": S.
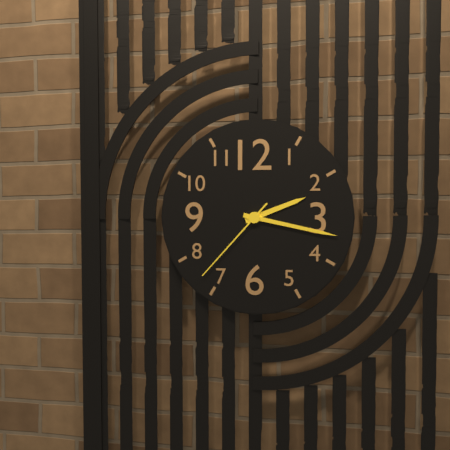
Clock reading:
{"hour": 2, "minute": 17, "second": 37}
